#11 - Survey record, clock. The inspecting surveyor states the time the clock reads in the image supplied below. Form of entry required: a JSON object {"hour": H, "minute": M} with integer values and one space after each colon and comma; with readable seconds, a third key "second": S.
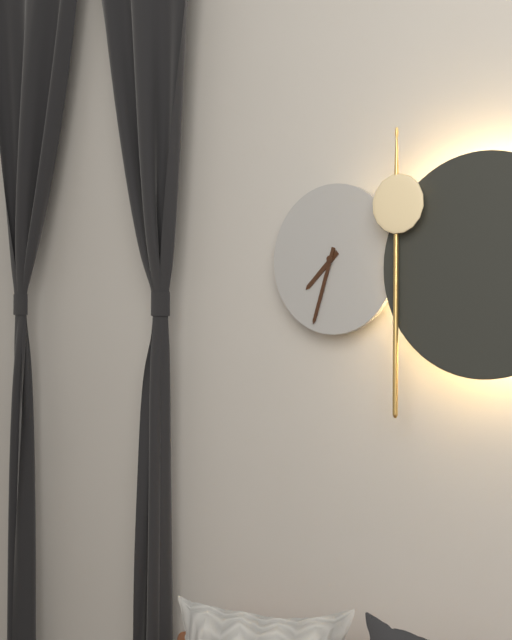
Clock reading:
{"hour": 7, "minute": 33}
